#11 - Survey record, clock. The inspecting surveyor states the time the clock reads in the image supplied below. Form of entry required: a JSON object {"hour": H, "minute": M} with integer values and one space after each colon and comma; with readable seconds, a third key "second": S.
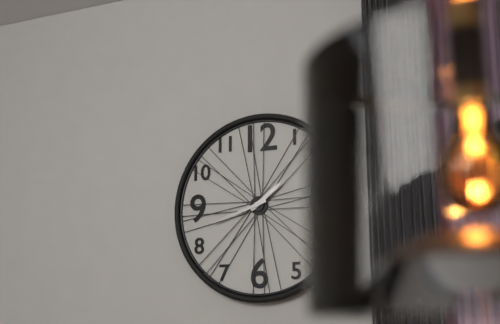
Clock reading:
{"hour": 1, "minute": 42}
